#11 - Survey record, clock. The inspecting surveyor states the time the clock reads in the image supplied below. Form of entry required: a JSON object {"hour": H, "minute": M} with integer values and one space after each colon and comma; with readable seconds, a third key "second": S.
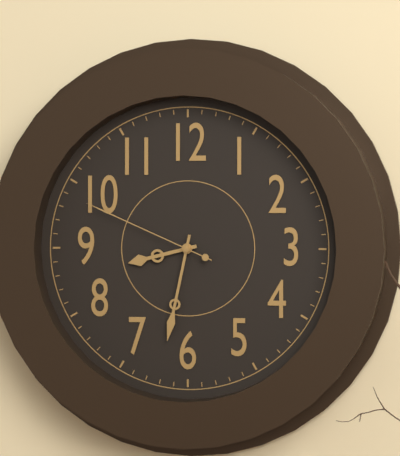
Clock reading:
{"hour": 8, "minute": 32, "second": 49}
